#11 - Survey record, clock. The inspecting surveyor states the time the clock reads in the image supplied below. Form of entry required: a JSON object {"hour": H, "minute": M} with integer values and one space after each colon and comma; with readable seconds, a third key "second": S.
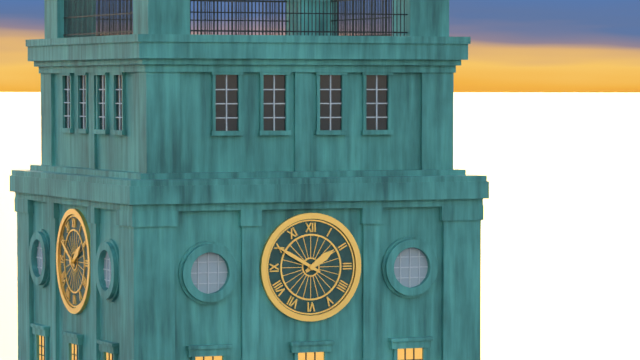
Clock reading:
{"hour": 1, "minute": 50}
